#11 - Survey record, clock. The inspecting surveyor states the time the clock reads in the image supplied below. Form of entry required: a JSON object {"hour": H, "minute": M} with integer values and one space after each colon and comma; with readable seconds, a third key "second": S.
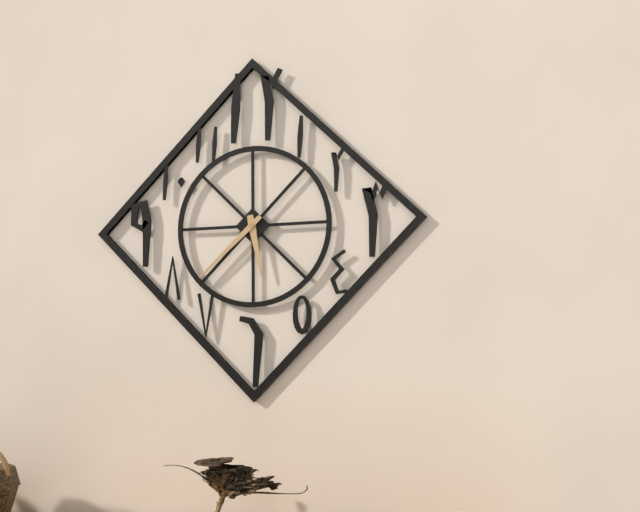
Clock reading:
{"hour": 5, "minute": 38}
